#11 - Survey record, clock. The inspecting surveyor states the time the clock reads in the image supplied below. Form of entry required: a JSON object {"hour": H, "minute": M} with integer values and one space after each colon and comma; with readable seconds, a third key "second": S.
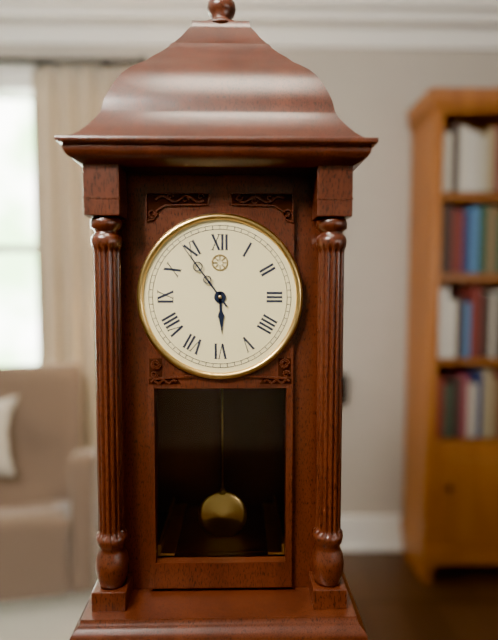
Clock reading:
{"hour": 5, "minute": 54}
